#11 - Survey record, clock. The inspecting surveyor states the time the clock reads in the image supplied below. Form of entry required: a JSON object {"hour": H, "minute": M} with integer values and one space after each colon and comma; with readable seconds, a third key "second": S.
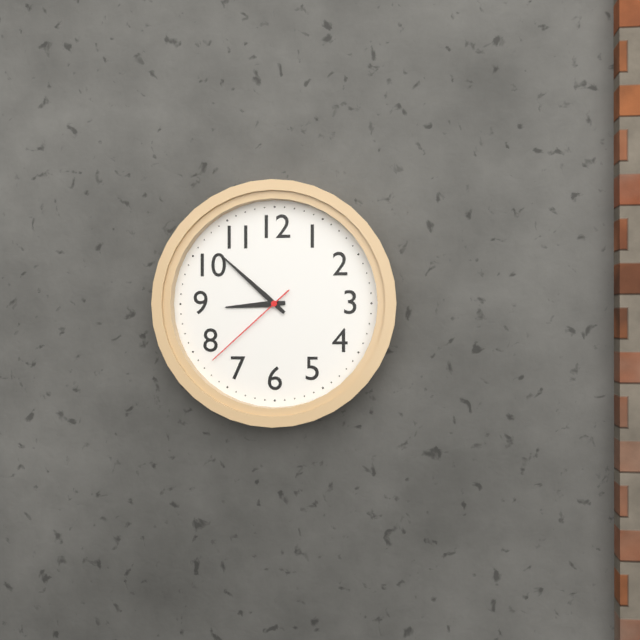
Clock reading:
{"hour": 8, "minute": 52, "second": 38}
